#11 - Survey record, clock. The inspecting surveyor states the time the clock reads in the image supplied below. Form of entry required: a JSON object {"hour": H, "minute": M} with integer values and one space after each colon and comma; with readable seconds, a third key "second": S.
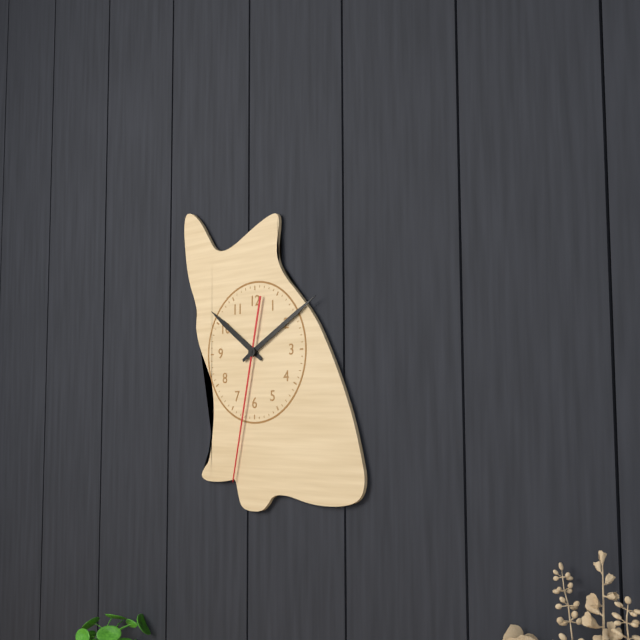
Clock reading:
{"hour": 10, "minute": 10, "second": 32}
